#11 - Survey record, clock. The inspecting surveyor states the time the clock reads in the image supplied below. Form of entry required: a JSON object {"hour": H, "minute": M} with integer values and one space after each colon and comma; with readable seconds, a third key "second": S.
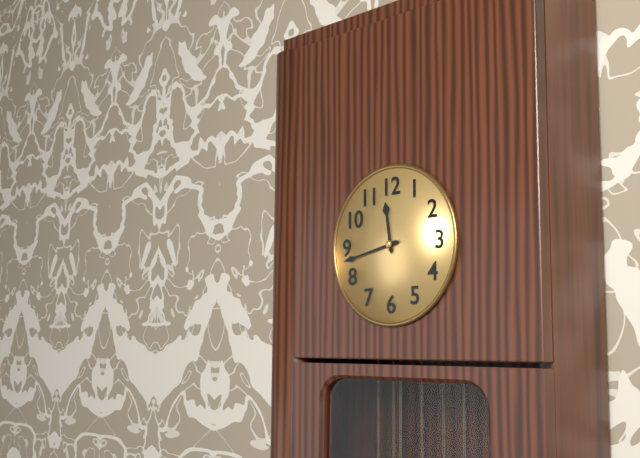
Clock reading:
{"hour": 11, "minute": 43}
